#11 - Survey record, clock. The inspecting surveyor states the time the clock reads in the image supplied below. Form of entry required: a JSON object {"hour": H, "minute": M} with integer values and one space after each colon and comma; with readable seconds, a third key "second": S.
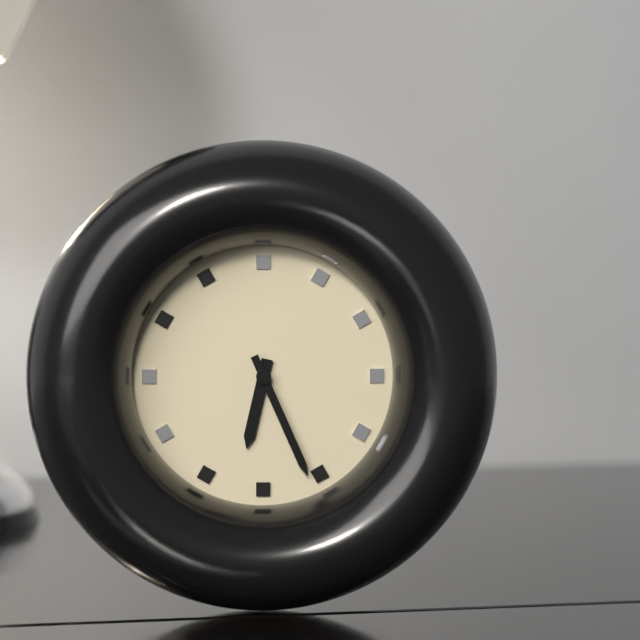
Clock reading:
{"hour": 6, "minute": 26}
